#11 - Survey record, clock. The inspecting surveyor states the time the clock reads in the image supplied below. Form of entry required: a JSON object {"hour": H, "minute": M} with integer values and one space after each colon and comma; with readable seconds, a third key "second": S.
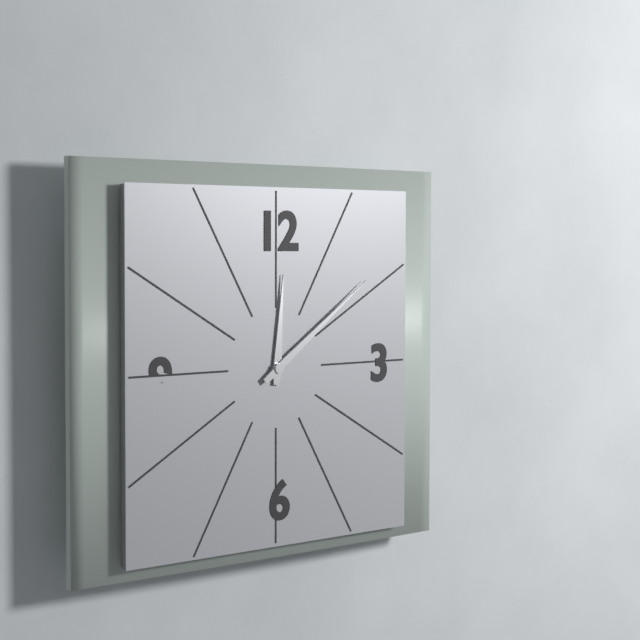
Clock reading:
{"hour": 12, "minute": 9}
